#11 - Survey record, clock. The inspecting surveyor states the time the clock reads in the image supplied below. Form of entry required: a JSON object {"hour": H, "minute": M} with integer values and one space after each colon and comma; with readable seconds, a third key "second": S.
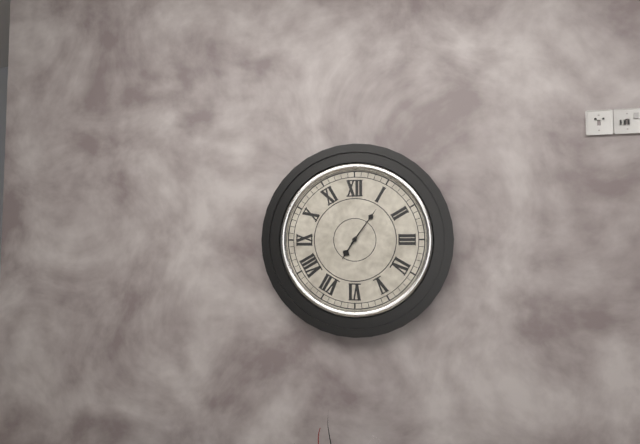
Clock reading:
{"hour": 7, "minute": 6}
